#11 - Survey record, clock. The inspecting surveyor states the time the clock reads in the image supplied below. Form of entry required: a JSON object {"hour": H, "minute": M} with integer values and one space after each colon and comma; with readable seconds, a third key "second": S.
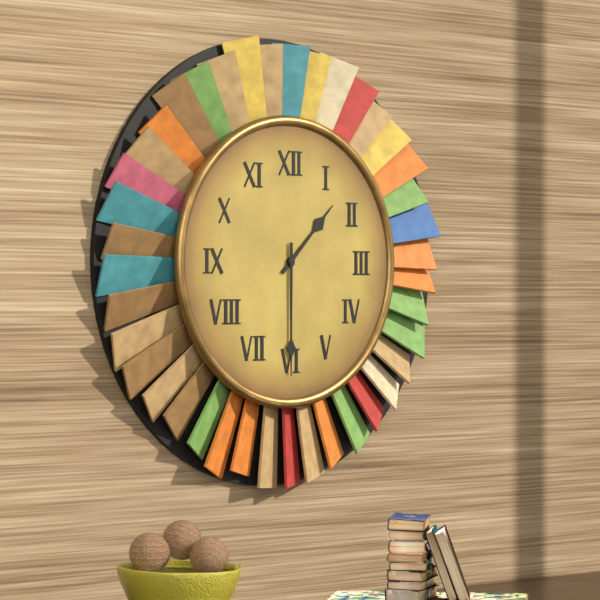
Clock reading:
{"hour": 1, "minute": 30}
